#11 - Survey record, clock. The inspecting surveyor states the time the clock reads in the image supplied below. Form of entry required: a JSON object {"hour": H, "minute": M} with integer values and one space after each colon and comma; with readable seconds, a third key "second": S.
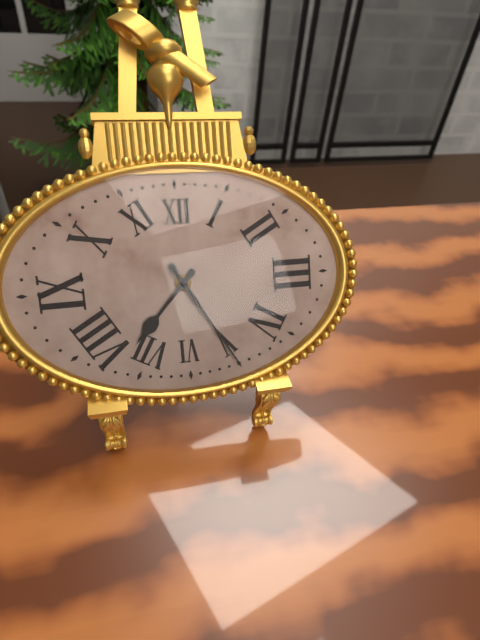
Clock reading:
{"hour": 7, "minute": 25}
